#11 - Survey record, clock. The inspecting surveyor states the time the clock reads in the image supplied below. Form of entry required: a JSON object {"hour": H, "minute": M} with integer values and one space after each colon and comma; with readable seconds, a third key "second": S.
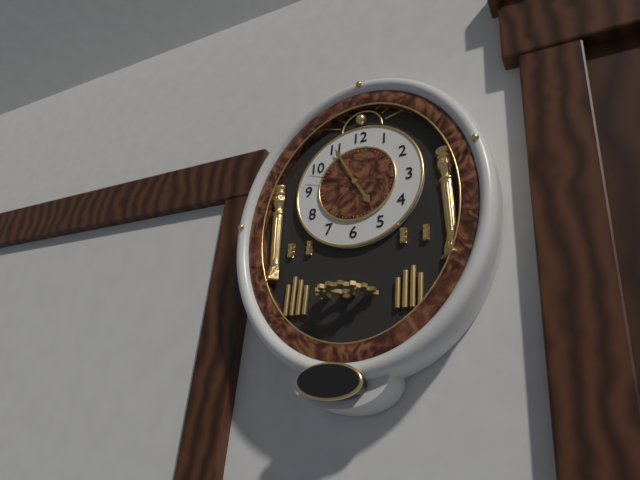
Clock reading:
{"hour": 4, "minute": 55, "second": 48}
